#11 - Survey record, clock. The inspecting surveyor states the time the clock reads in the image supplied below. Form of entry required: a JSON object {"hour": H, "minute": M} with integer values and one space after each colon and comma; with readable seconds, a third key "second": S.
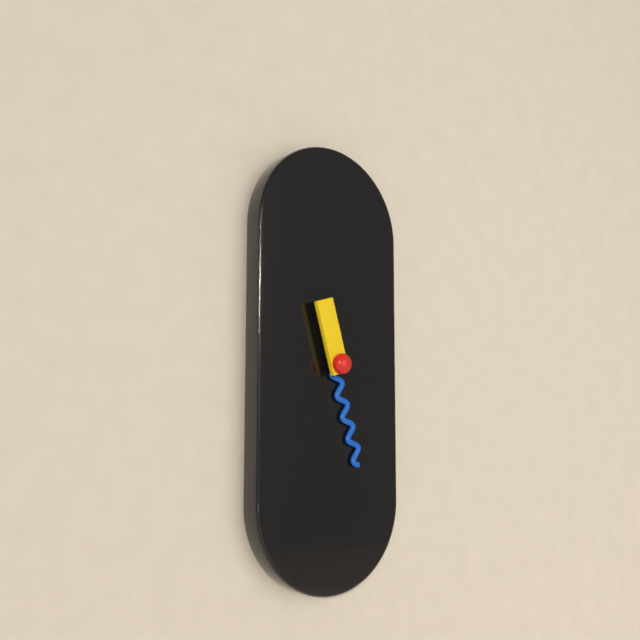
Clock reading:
{"hour": 11, "minute": 27}
